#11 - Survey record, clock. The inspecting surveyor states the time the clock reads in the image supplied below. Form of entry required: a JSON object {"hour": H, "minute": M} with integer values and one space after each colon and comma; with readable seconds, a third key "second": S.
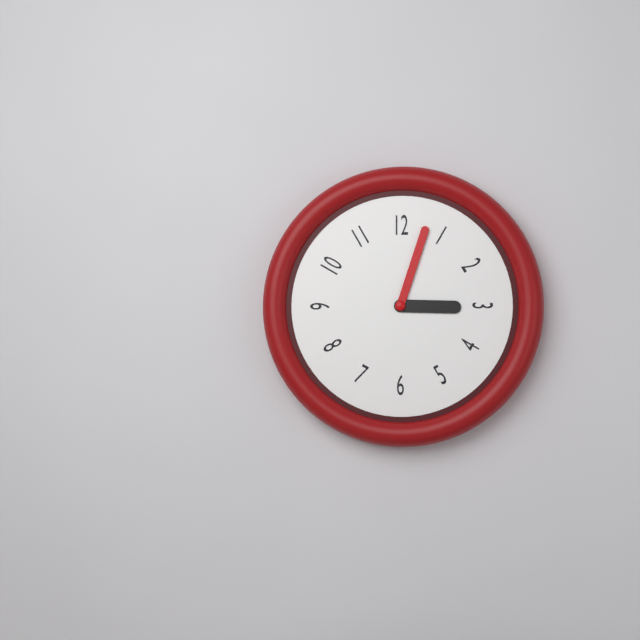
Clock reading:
{"hour": 3, "minute": 3}
